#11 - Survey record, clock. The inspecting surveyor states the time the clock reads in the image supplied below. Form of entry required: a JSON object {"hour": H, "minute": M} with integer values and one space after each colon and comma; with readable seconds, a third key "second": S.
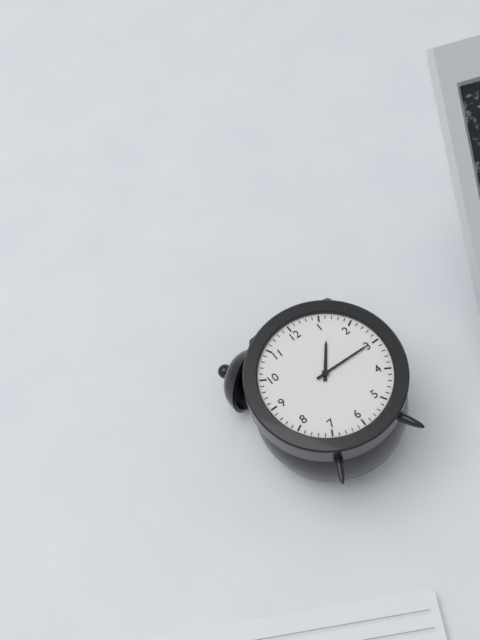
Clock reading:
{"hour": 1, "minute": 15}
